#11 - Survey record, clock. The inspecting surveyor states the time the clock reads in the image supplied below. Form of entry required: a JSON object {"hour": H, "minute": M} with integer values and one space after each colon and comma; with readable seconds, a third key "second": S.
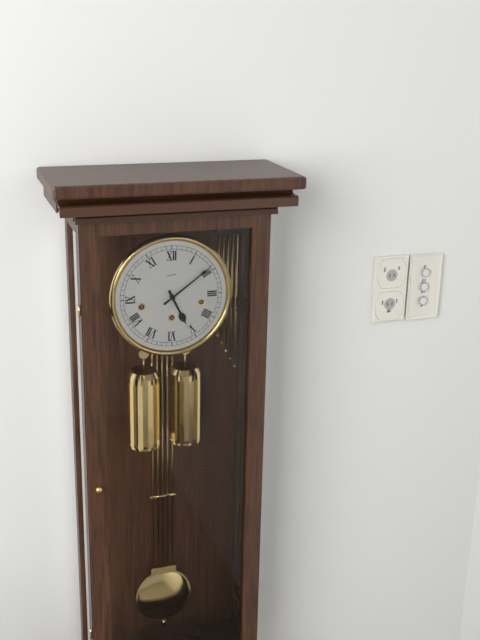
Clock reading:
{"hour": 5, "minute": 9}
